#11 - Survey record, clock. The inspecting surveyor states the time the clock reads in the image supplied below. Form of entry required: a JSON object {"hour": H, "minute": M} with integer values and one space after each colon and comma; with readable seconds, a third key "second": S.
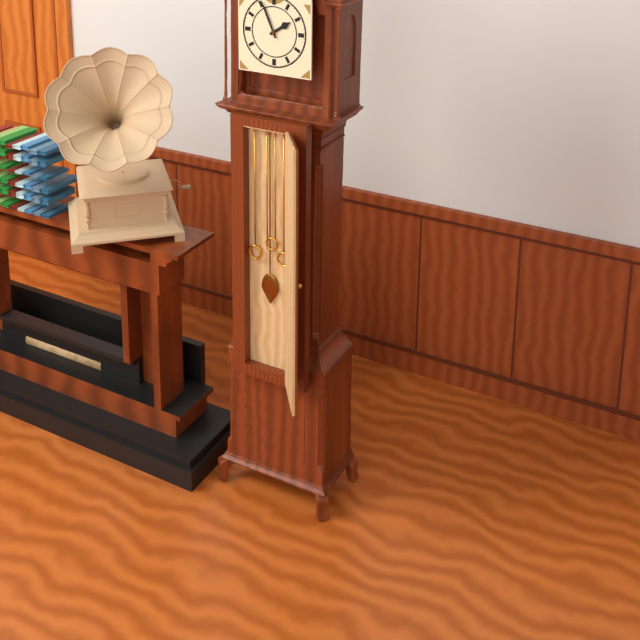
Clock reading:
{"hour": 1, "minute": 56}
